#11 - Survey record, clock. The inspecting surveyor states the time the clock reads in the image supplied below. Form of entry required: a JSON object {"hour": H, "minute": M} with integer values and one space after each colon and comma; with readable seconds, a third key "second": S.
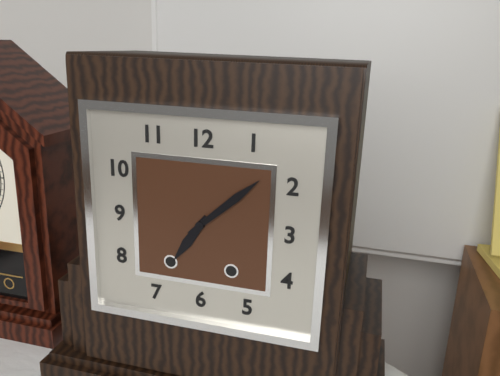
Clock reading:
{"hour": 7, "minute": 8}
